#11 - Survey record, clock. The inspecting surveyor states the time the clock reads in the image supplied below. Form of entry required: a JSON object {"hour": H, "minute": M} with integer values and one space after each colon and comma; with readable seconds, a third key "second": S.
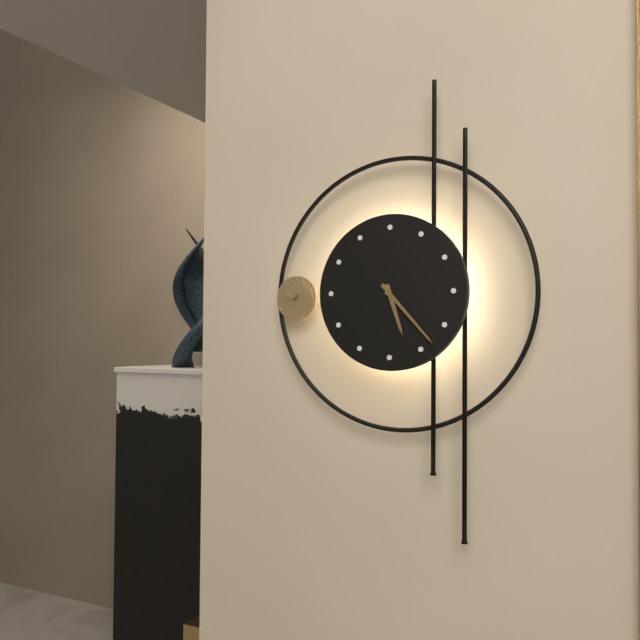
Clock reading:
{"hour": 5, "minute": 23}
